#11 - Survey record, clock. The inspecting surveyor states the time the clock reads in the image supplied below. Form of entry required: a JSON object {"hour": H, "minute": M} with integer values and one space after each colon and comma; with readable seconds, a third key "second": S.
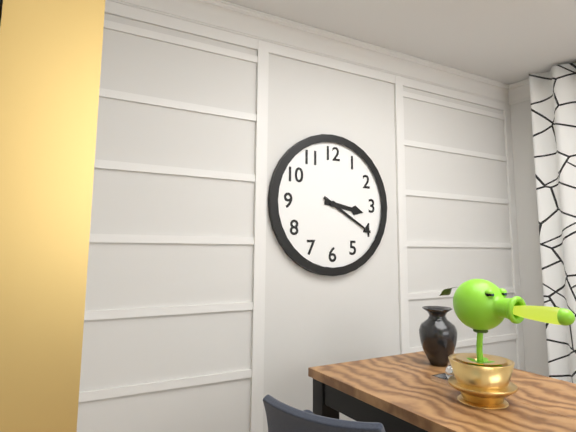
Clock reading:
{"hour": 3, "minute": 20}
